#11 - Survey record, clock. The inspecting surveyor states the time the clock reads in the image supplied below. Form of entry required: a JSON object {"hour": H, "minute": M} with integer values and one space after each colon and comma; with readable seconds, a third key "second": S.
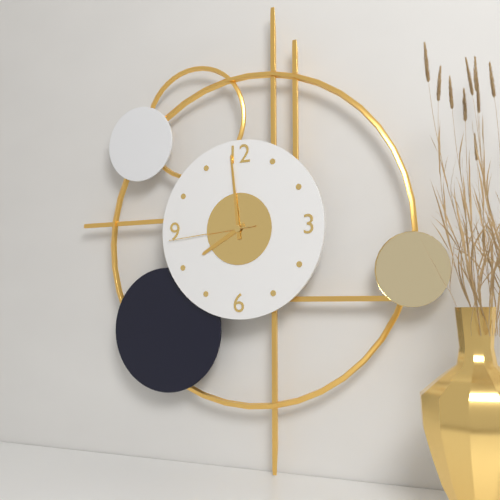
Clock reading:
{"hour": 7, "minute": 59, "second": 44}
